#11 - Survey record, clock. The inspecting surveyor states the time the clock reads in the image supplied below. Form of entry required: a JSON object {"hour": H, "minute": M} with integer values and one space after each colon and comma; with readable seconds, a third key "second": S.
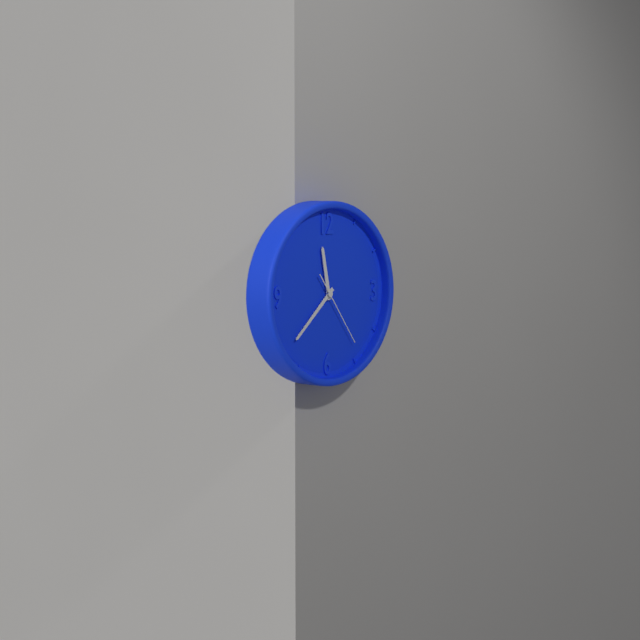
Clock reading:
{"hour": 11, "minute": 38, "second": 24}
